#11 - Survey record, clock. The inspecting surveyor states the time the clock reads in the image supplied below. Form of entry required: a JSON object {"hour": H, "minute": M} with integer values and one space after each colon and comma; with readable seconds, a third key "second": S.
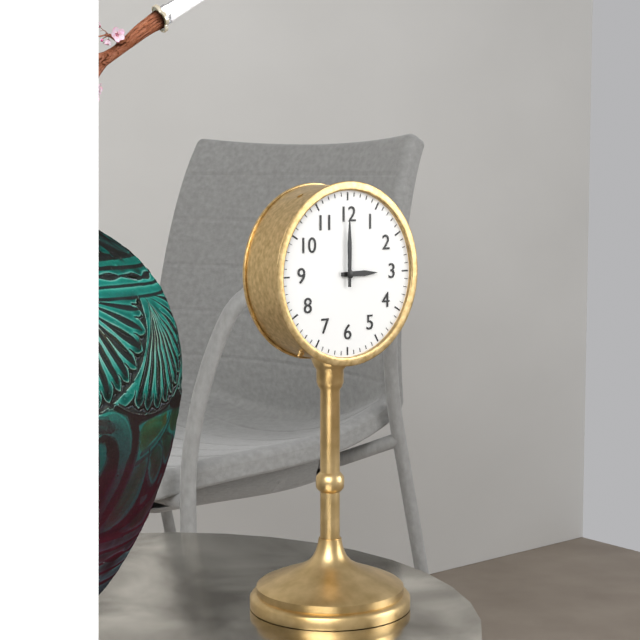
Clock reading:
{"hour": 3, "minute": 0}
